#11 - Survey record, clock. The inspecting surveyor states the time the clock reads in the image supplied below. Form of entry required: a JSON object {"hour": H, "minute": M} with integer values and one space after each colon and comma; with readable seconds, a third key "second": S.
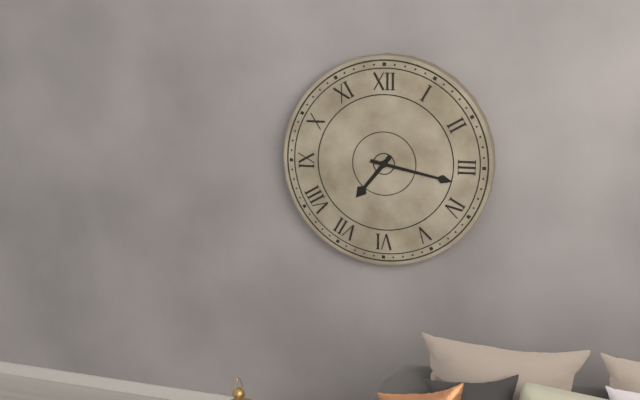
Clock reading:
{"hour": 7, "minute": 17}
